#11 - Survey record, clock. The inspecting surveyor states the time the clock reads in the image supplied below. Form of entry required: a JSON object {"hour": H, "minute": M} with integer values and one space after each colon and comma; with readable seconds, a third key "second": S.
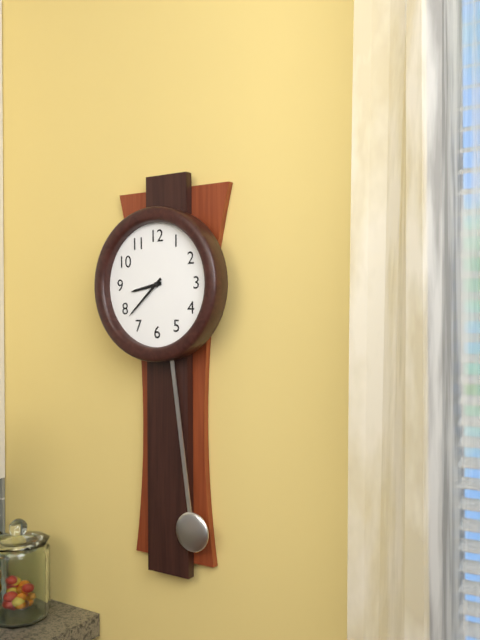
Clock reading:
{"hour": 8, "minute": 38}
